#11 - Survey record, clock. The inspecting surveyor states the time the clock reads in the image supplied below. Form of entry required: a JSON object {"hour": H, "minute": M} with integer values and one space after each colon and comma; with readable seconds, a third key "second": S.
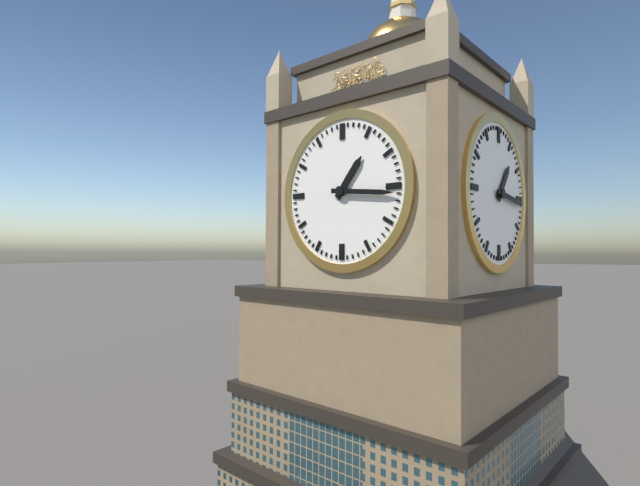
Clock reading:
{"hour": 1, "minute": 16}
